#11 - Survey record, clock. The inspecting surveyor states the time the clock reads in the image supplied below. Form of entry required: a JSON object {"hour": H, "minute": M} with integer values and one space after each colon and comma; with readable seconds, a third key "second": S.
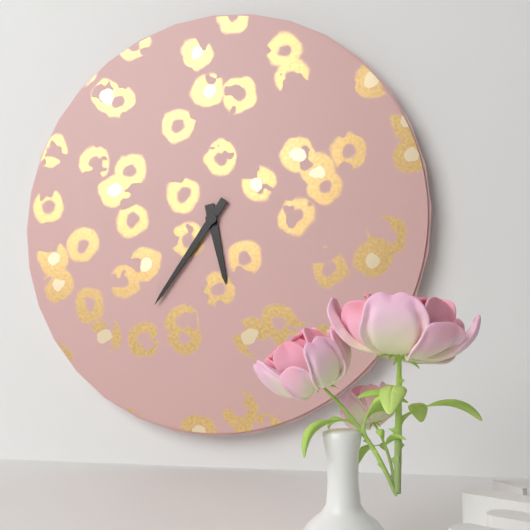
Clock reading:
{"hour": 5, "minute": 36}
